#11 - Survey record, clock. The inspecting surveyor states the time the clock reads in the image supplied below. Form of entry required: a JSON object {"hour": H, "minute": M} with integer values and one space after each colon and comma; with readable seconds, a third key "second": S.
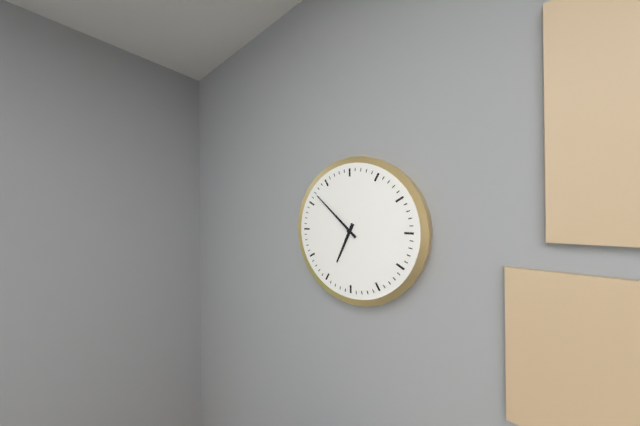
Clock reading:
{"hour": 6, "minute": 52}
